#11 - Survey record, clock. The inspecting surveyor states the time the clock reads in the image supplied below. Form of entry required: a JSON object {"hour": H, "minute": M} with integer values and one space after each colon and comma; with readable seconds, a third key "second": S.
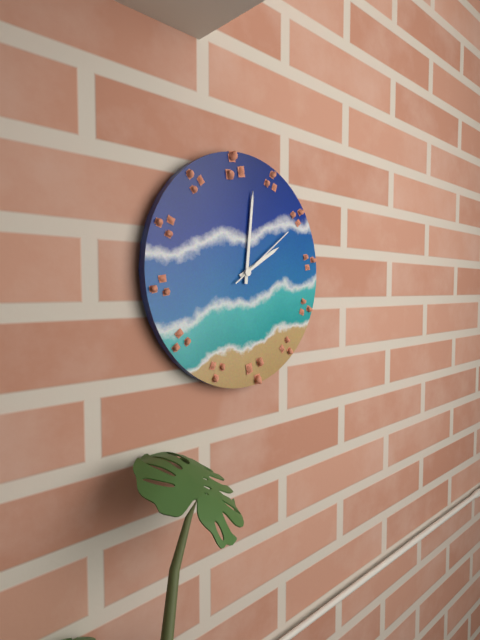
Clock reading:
{"hour": 2, "minute": 1, "second": 9}
